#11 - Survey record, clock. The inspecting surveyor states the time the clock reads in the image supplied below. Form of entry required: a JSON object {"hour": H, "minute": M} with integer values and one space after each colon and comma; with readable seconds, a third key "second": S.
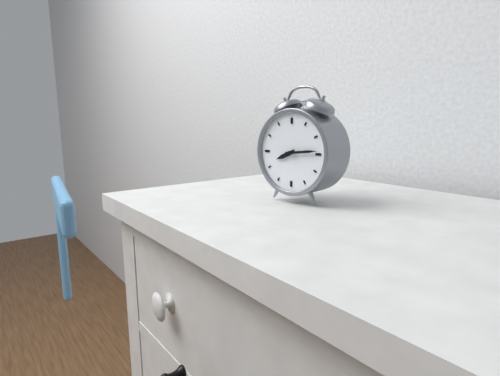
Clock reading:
{"hour": 8, "minute": 14}
